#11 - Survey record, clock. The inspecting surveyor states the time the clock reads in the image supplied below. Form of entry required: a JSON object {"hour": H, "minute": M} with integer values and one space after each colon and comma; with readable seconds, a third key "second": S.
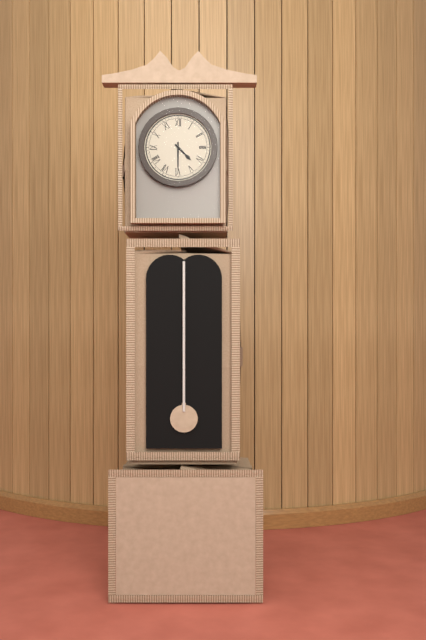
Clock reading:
{"hour": 4, "minute": 30}
